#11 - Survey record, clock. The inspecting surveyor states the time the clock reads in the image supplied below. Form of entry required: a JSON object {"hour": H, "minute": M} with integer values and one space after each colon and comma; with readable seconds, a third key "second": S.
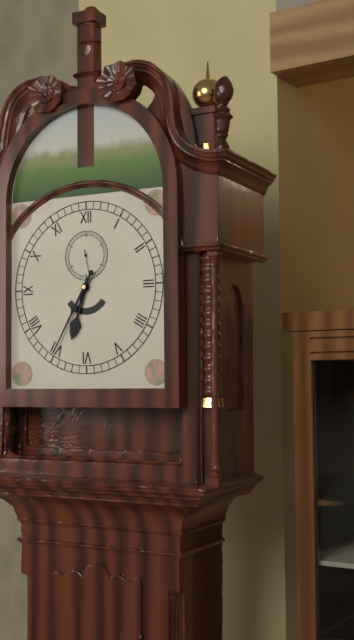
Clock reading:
{"hour": 6, "minute": 35}
